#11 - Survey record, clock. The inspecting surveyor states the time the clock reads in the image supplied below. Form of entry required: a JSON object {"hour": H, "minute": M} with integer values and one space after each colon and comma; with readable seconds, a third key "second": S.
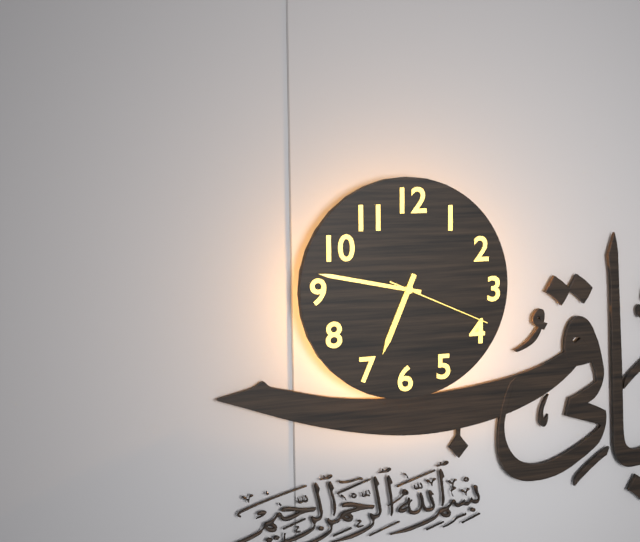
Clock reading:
{"hour": 6, "minute": 47, "second": 19}
